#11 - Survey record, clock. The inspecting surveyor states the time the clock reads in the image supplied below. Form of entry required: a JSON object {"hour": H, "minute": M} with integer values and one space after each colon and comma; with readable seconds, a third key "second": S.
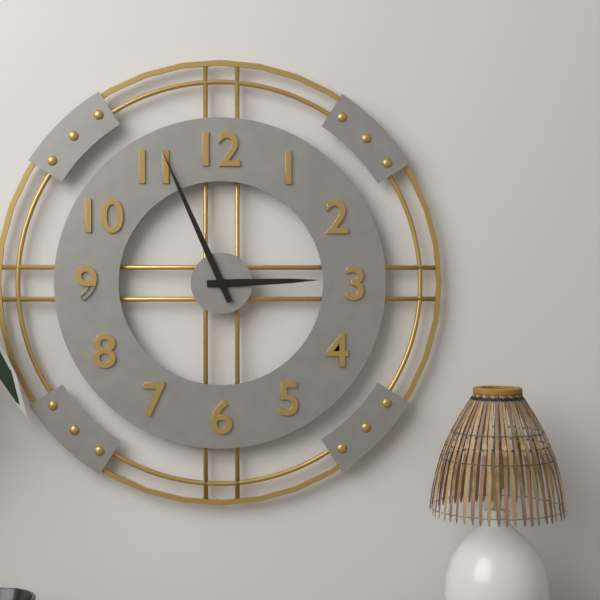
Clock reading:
{"hour": 2, "minute": 56}
